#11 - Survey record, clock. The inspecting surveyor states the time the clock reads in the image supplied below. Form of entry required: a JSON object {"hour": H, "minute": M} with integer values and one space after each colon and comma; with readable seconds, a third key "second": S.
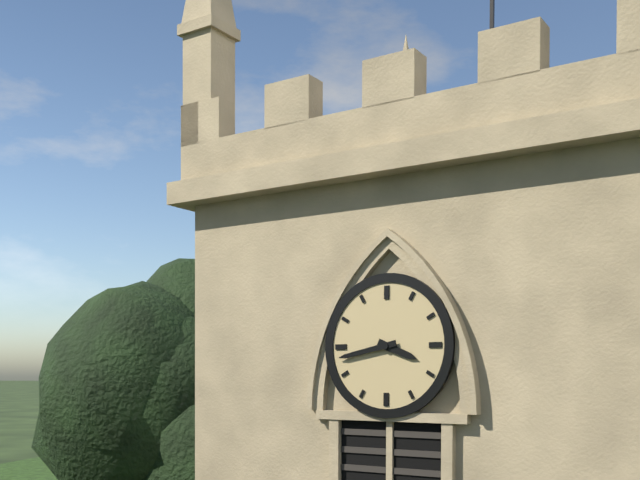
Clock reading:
{"hour": 3, "minute": 43}
